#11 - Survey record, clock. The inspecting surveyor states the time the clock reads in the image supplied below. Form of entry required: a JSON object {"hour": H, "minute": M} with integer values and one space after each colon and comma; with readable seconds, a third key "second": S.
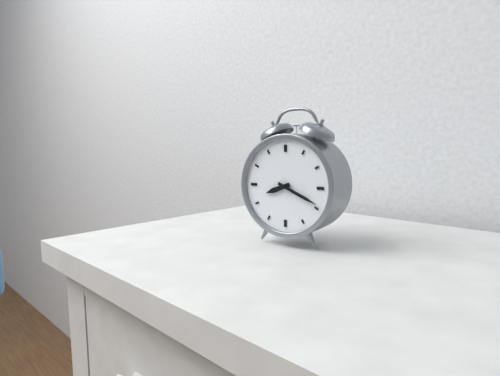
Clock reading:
{"hour": 8, "minute": 19}
